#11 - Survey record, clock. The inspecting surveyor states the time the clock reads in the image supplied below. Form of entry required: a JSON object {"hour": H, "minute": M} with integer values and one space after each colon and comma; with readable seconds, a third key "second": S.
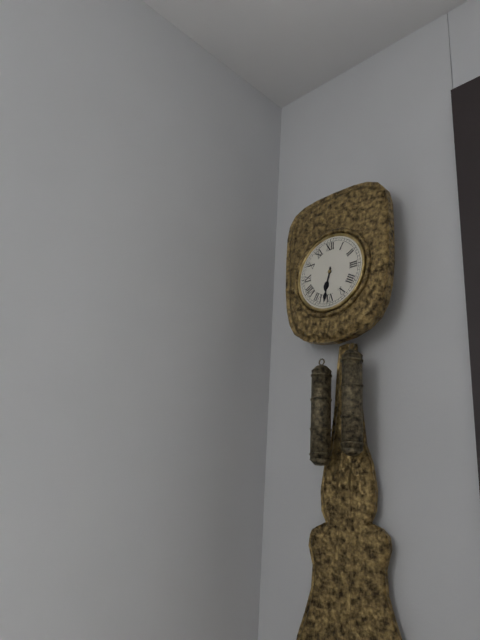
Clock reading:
{"hour": 6, "minute": 32}
